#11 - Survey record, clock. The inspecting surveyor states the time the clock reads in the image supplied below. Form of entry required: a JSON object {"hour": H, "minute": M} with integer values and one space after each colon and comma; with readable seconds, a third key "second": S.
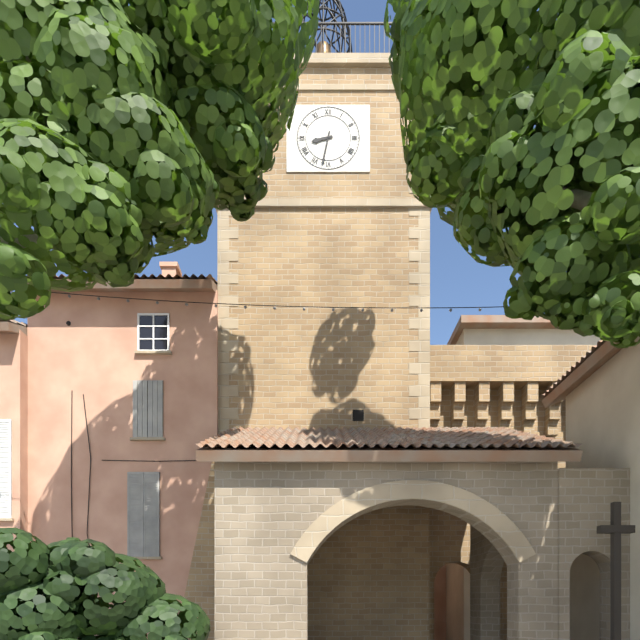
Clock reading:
{"hour": 8, "minute": 32}
